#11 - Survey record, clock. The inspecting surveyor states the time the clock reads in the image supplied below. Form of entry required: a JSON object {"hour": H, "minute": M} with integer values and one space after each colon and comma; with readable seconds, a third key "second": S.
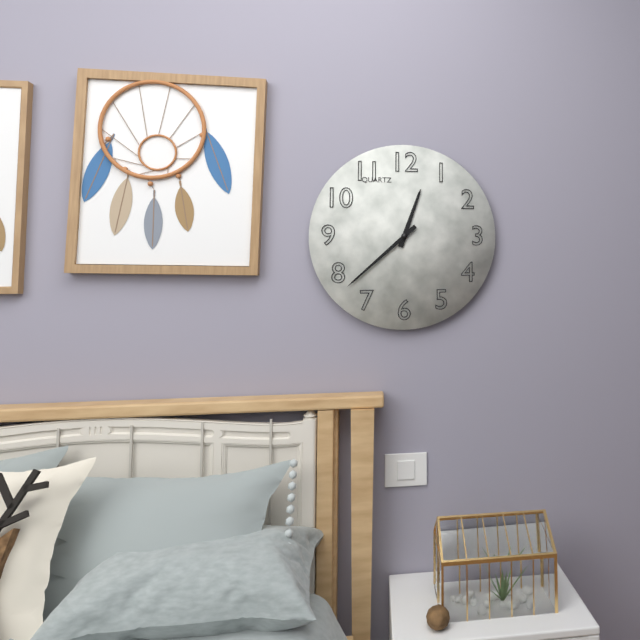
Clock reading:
{"hour": 12, "minute": 38}
